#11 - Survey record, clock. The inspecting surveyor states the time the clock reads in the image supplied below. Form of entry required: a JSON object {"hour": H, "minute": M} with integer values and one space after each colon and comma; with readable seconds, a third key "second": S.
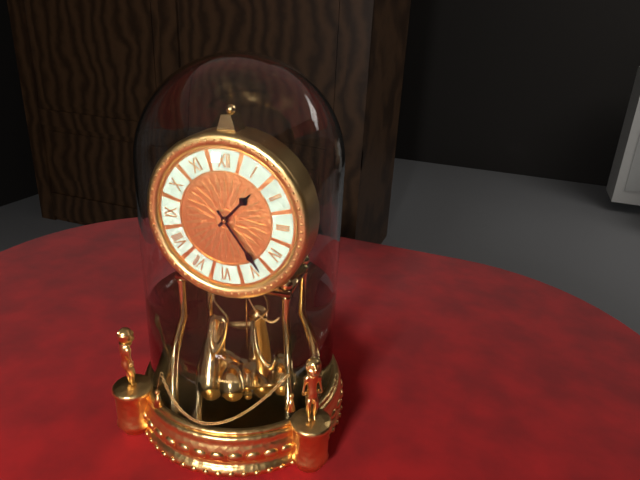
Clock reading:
{"hour": 1, "minute": 24}
